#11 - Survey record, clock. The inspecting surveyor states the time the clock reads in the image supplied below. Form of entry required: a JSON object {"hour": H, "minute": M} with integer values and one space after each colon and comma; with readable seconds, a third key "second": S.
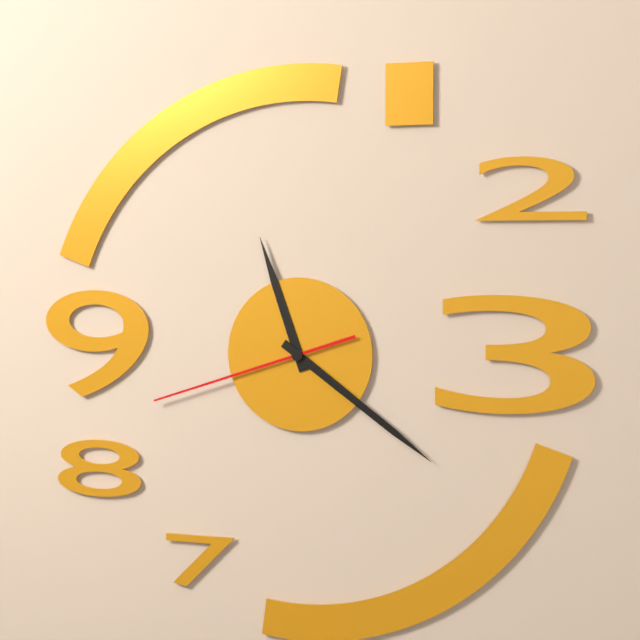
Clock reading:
{"hour": 11, "minute": 21, "second": 42}
